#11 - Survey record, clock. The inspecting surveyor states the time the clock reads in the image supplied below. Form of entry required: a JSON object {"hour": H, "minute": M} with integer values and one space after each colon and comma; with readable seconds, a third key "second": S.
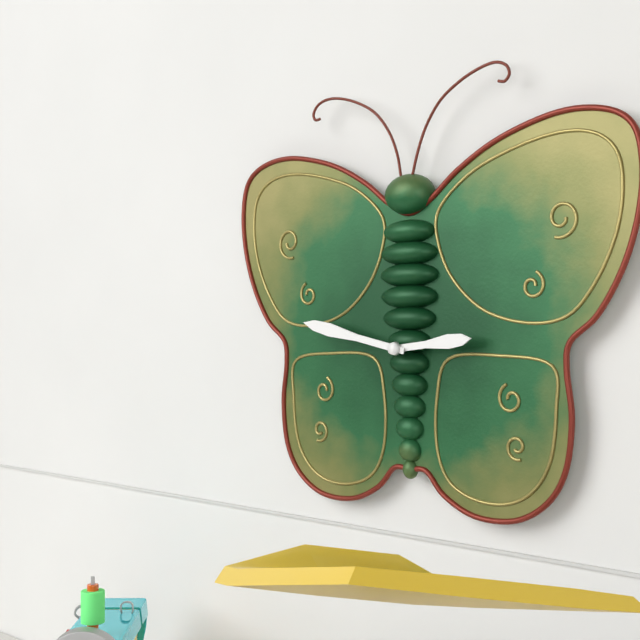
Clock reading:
{"hour": 2, "minute": 47}
